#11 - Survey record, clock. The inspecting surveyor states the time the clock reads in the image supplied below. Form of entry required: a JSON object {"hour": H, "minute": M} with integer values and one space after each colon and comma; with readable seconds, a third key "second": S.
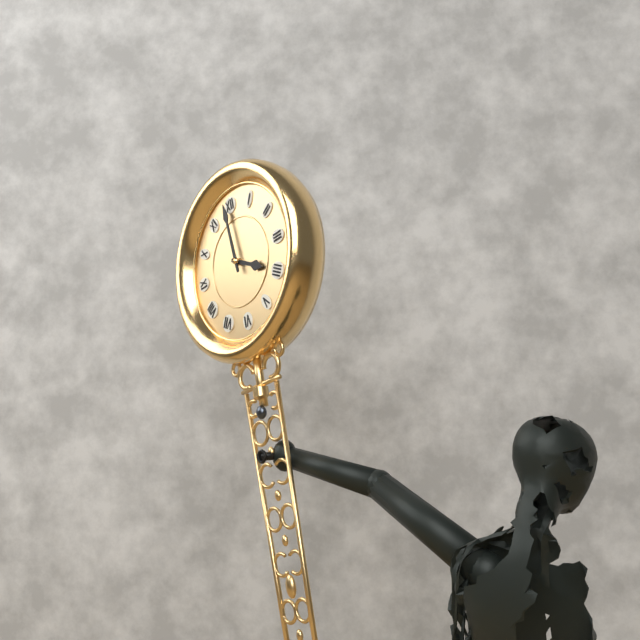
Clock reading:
{"hour": 3, "minute": 59}
